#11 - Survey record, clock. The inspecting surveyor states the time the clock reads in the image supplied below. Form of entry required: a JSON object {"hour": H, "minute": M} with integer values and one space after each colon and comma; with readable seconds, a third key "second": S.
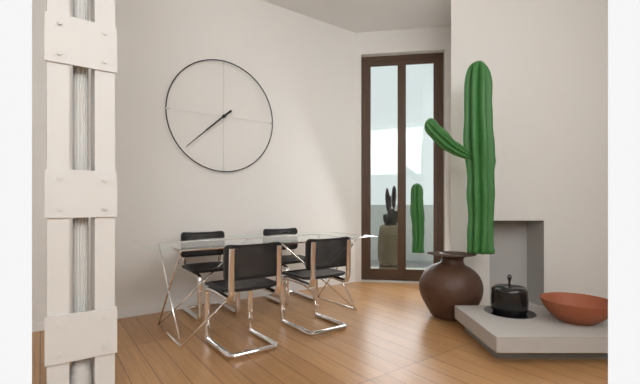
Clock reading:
{"hour": 7, "minute": 38}
